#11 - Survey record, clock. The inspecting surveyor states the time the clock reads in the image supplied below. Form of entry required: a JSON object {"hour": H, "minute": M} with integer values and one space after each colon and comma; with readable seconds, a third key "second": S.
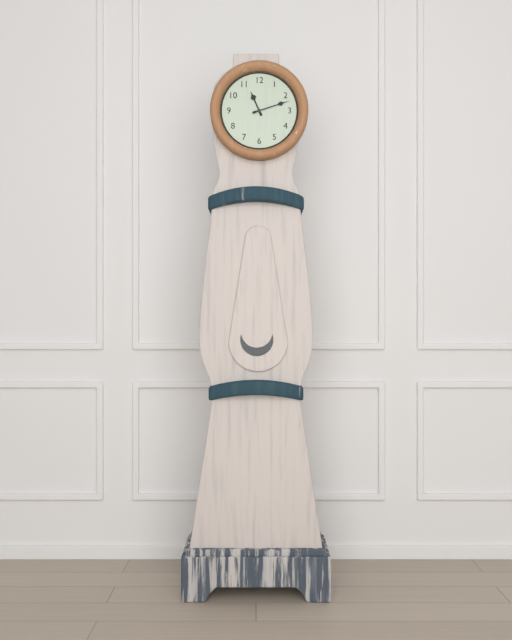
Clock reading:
{"hour": 11, "minute": 12}
